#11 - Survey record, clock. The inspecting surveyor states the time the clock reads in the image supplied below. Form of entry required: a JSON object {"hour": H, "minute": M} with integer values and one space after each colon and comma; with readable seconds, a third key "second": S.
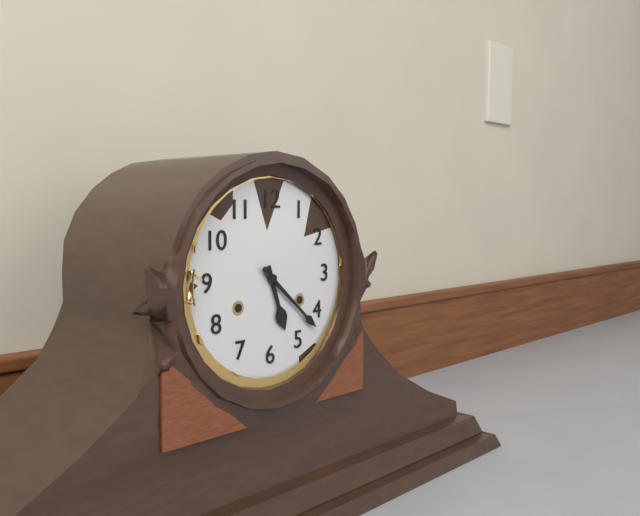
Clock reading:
{"hour": 5, "minute": 22}
